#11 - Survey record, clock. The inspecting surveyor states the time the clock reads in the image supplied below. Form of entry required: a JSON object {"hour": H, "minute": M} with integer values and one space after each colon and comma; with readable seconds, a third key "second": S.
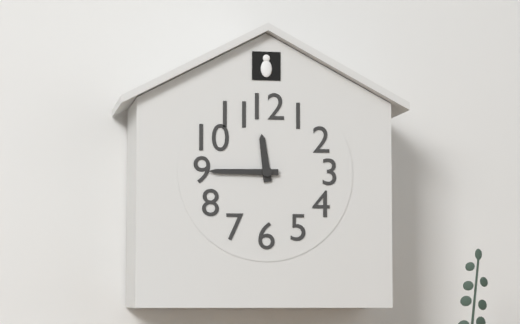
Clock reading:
{"hour": 11, "minute": 45}
